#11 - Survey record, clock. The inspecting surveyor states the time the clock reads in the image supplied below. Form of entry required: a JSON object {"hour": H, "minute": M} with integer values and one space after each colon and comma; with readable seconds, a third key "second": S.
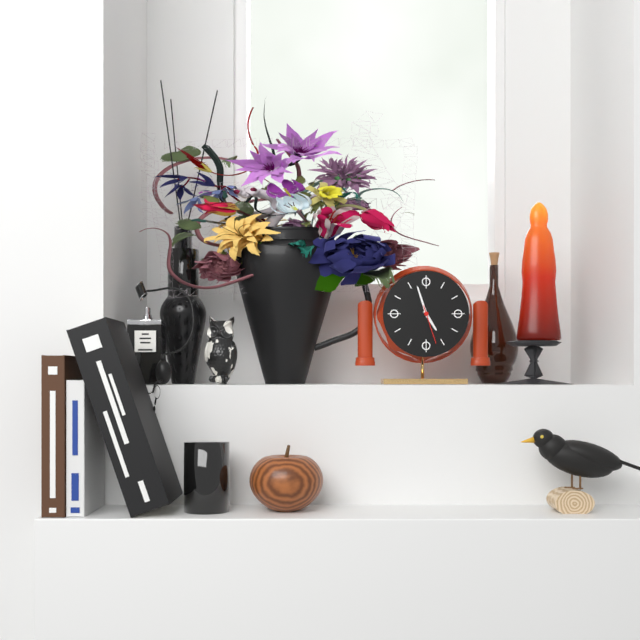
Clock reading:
{"hour": 4, "minute": 57}
